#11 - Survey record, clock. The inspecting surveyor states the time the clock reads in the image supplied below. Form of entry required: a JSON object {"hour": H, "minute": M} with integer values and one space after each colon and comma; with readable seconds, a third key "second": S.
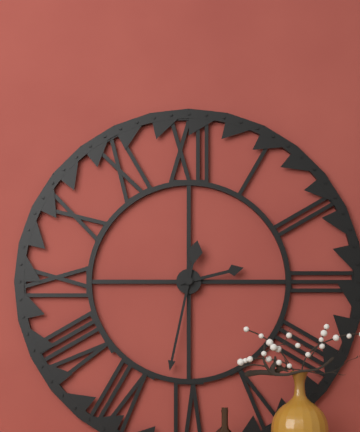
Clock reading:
{"hour": 2, "minute": 32}
